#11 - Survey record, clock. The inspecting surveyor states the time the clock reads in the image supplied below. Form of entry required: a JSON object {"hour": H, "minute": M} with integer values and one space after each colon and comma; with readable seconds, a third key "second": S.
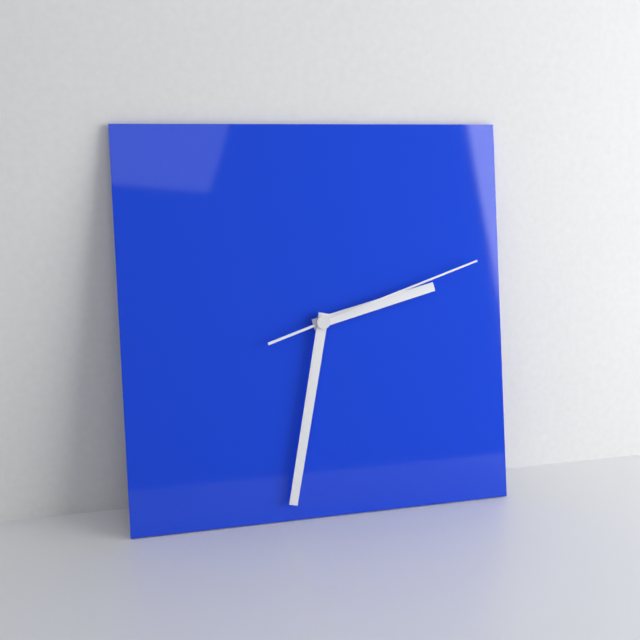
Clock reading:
{"hour": 2, "minute": 32, "second": 12}
